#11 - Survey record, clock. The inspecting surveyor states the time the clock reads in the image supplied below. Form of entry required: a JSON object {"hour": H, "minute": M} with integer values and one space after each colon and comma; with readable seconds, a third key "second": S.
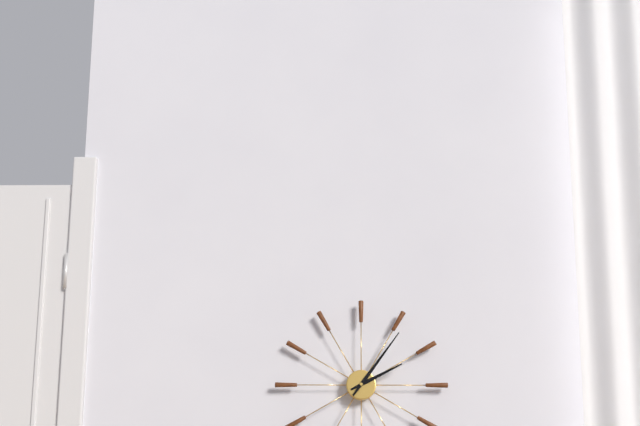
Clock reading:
{"hour": 2, "minute": 6}
